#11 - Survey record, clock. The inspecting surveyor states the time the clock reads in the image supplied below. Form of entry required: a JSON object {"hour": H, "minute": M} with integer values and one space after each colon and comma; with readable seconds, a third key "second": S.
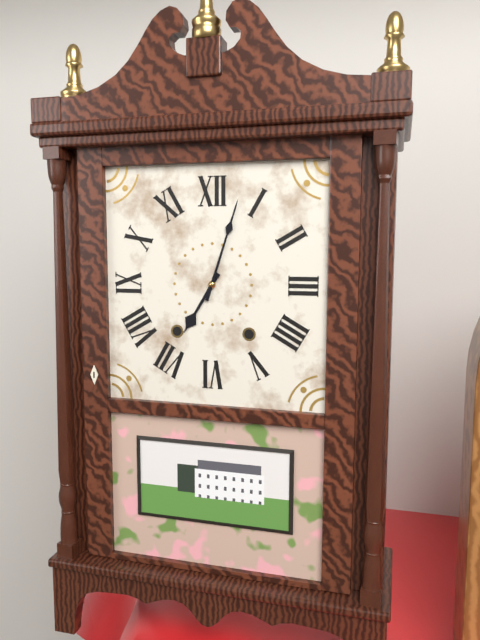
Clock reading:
{"hour": 7, "minute": 3}
